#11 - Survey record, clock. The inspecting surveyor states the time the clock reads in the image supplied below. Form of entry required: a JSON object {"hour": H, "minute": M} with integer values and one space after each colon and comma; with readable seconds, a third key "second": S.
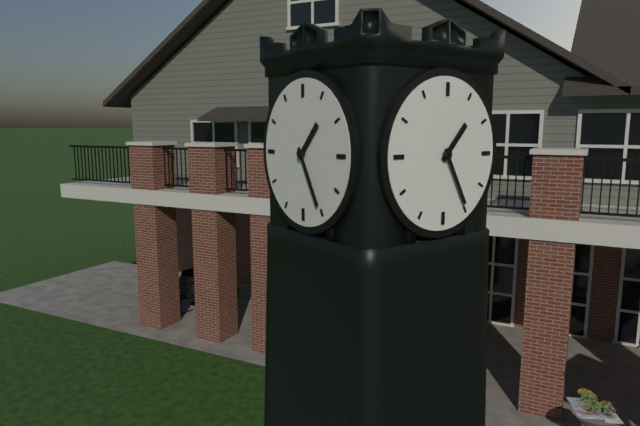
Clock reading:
{"hour": 1, "minute": 25}
